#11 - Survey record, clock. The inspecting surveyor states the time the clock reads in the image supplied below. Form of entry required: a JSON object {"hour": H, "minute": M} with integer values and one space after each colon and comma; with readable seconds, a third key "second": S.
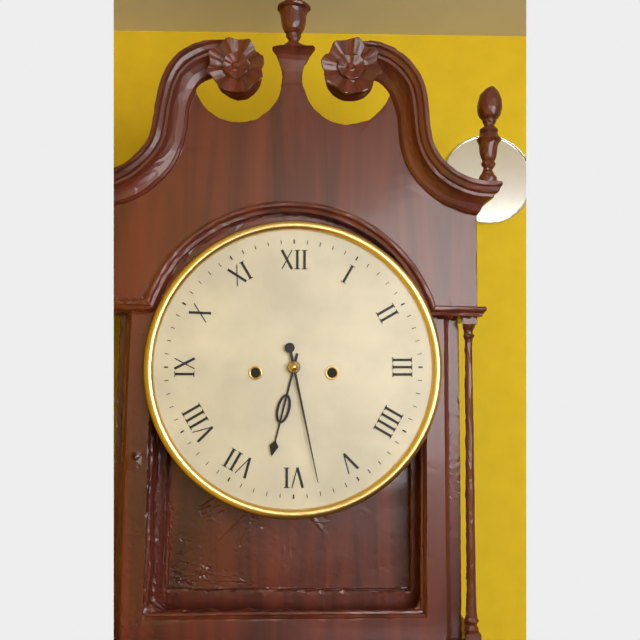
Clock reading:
{"hour": 6, "minute": 28}
